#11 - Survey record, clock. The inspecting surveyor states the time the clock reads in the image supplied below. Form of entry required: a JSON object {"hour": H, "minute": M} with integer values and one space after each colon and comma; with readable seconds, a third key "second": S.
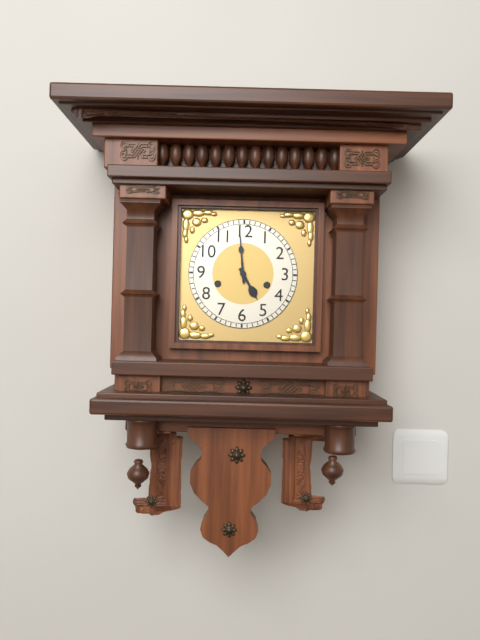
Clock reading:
{"hour": 4, "minute": 59}
